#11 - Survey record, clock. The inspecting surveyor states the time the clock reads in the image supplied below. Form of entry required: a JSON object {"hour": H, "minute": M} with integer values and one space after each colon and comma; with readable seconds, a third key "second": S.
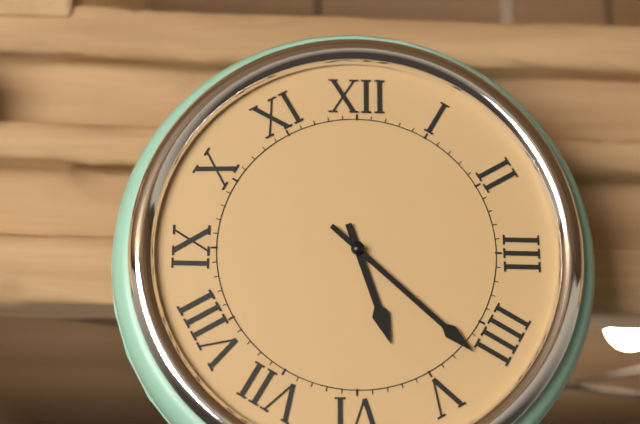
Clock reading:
{"hour": 5, "minute": 22}
